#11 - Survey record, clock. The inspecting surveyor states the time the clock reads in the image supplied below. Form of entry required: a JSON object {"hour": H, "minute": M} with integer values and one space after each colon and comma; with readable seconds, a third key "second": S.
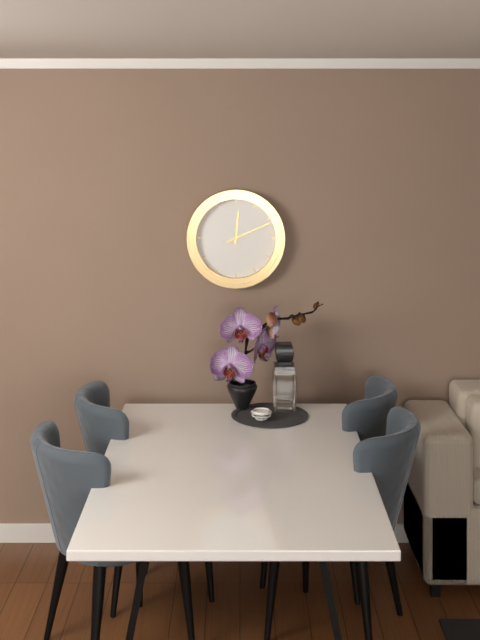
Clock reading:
{"hour": 12, "minute": 11}
